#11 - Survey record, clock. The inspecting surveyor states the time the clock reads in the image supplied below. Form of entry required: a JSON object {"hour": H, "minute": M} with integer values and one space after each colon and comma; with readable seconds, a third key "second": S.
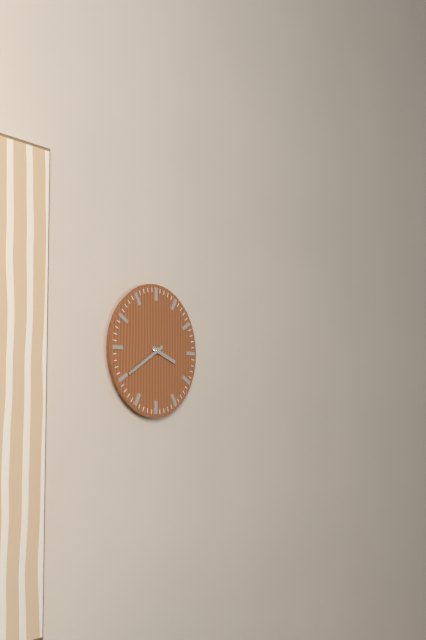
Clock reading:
{"hour": 3, "minute": 40}
